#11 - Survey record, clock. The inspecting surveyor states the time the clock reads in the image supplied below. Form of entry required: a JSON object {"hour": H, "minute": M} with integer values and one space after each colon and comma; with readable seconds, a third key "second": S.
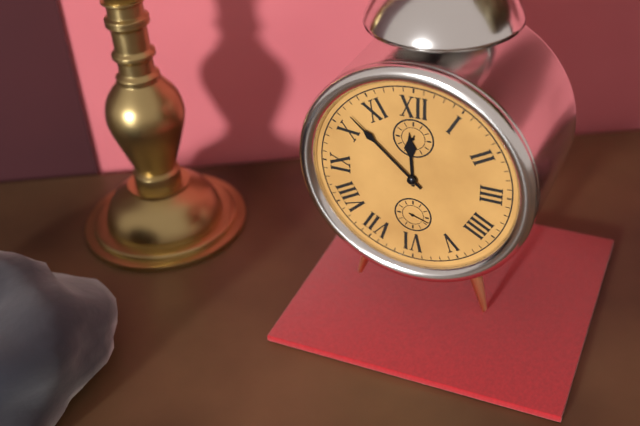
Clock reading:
{"hour": 11, "minute": 52}
